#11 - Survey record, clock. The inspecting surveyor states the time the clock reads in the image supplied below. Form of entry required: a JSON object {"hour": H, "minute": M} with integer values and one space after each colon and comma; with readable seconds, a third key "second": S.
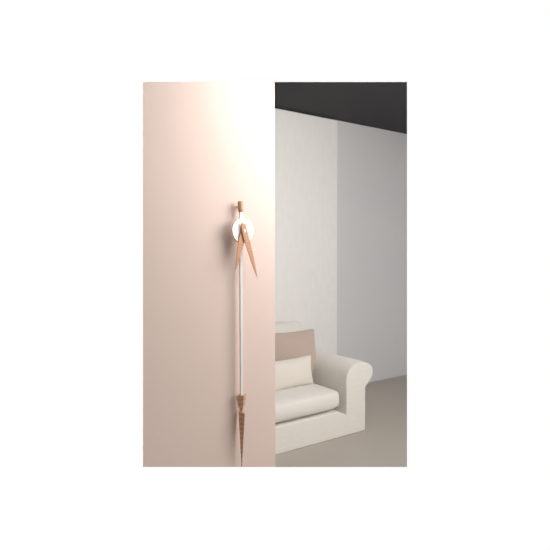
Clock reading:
{"hour": 6, "minute": 27}
